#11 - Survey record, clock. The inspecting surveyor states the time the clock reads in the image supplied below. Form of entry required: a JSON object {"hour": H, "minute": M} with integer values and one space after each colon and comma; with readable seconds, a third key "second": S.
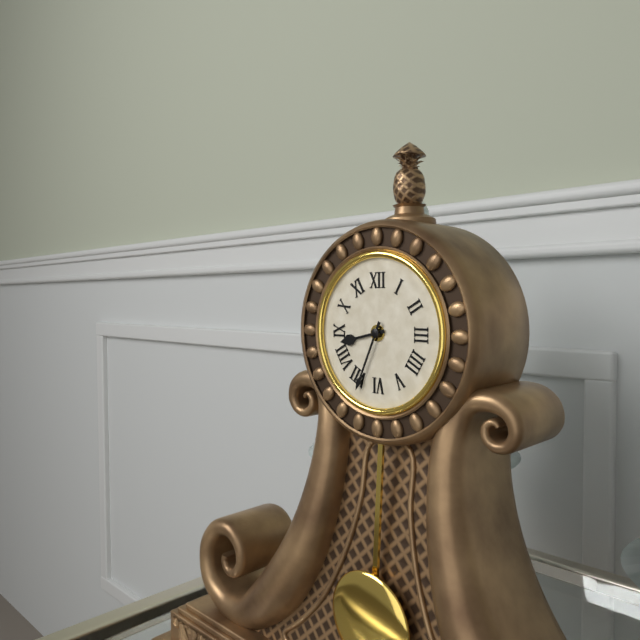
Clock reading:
{"hour": 8, "minute": 34}
